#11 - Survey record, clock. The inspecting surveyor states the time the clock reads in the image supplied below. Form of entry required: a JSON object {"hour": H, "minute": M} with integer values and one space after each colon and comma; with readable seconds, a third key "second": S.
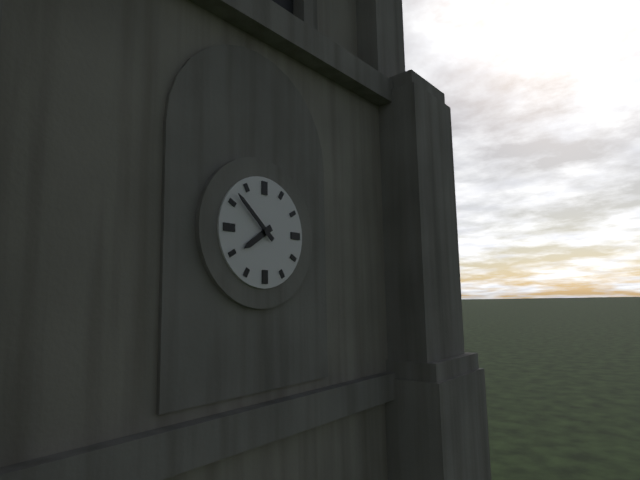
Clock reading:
{"hour": 7, "minute": 52}
